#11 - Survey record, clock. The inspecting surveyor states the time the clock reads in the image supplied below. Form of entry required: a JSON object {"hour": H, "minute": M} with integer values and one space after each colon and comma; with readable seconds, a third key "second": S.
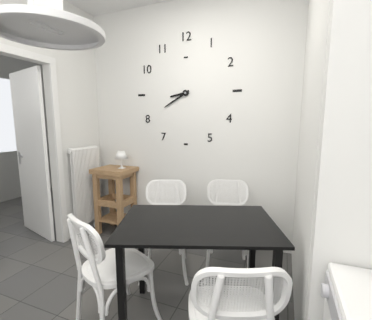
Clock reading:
{"hour": 8, "minute": 40}
